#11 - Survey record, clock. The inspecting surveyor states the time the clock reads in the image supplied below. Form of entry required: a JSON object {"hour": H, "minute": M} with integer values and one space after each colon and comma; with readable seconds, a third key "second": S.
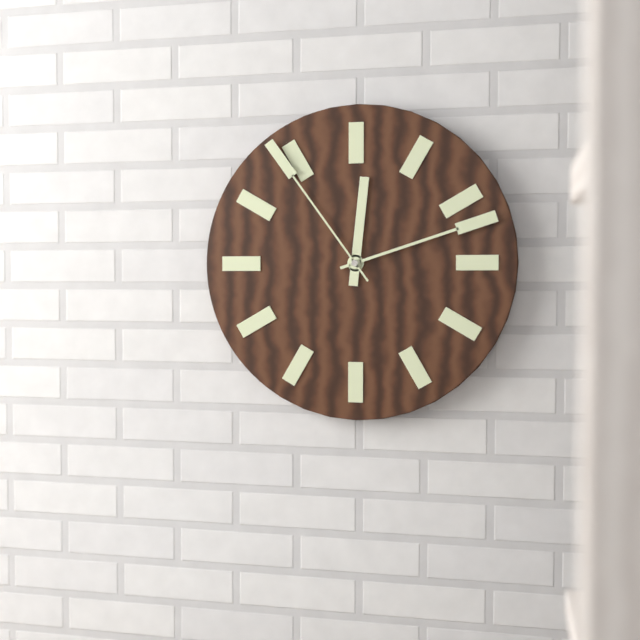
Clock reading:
{"hour": 12, "minute": 12, "second": 54}
